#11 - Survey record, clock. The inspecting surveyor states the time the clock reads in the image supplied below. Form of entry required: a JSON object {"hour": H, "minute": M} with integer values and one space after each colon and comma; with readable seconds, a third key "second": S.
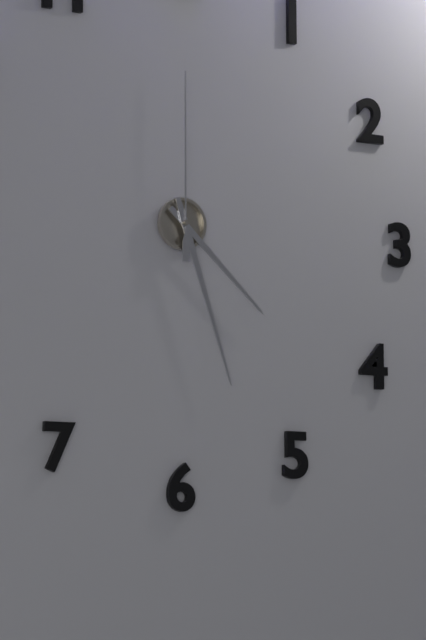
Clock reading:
{"hour": 4, "minute": 27, "second": 0}
